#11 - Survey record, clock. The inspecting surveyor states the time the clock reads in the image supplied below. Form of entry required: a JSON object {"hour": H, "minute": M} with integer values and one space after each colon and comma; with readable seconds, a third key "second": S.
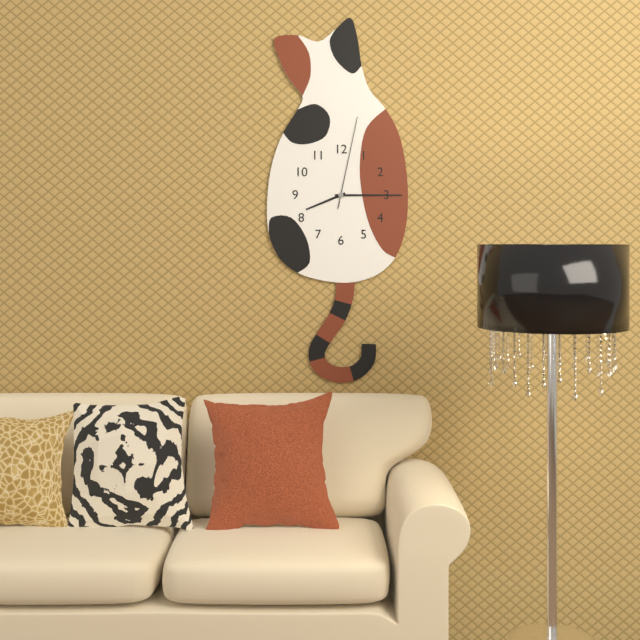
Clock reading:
{"hour": 8, "minute": 15, "second": 2}
